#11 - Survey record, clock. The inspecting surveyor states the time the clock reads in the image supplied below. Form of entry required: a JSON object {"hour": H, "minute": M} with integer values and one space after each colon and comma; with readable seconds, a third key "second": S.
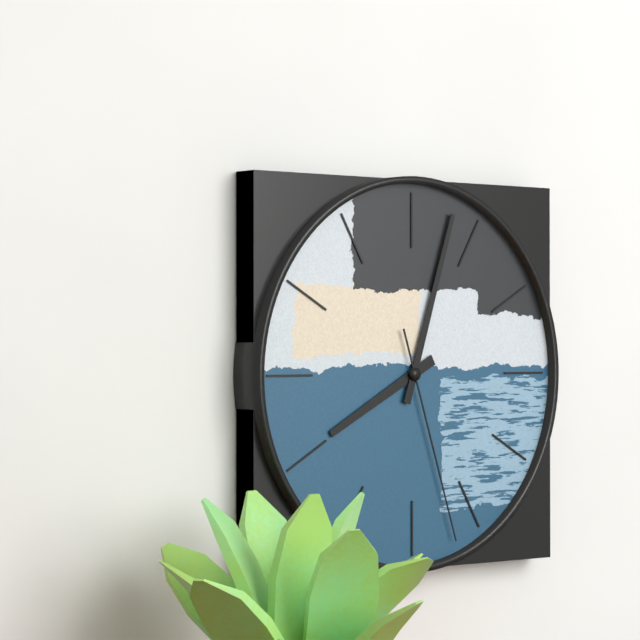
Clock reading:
{"hour": 8, "minute": 3, "second": 27}
